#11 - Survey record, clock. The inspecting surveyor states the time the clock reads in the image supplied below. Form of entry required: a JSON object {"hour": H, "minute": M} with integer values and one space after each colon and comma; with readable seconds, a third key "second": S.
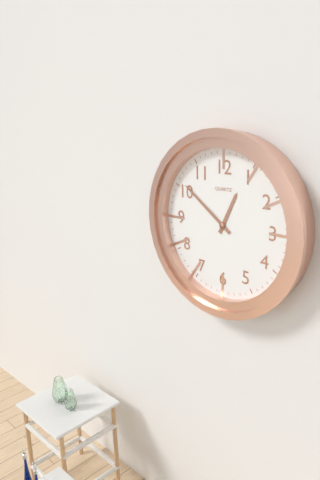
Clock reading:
{"hour": 12, "minute": 51}
